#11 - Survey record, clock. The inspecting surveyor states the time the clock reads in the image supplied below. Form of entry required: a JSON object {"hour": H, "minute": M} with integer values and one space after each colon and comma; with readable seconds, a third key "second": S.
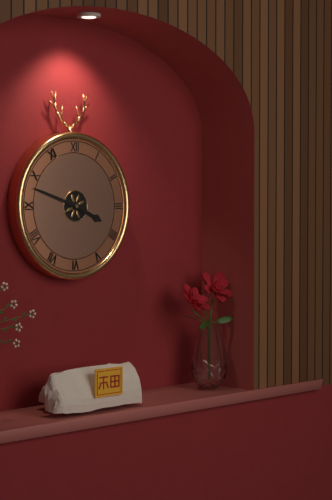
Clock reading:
{"hour": 3, "minute": 48}
